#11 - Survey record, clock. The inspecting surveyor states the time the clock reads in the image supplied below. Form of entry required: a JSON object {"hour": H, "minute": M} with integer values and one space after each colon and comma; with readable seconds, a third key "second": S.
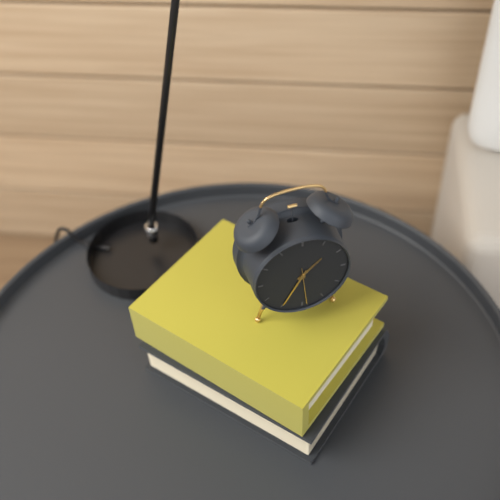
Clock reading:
{"hour": 1, "minute": 35, "second": 29}
